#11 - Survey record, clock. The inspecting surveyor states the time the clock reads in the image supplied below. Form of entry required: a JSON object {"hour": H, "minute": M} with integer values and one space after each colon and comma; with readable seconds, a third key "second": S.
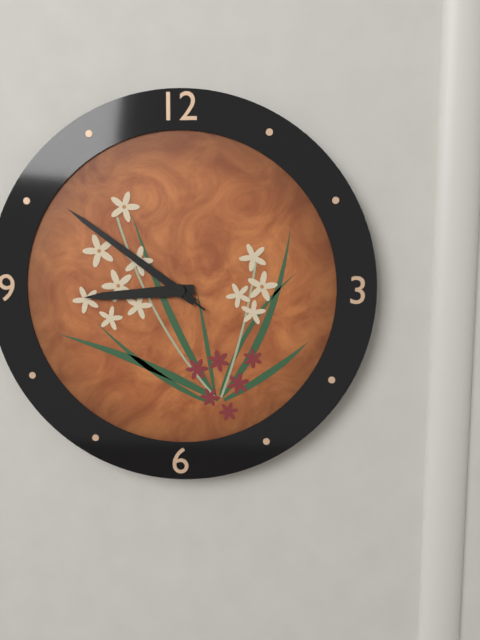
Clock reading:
{"hour": 8, "minute": 51, "second": 51}
